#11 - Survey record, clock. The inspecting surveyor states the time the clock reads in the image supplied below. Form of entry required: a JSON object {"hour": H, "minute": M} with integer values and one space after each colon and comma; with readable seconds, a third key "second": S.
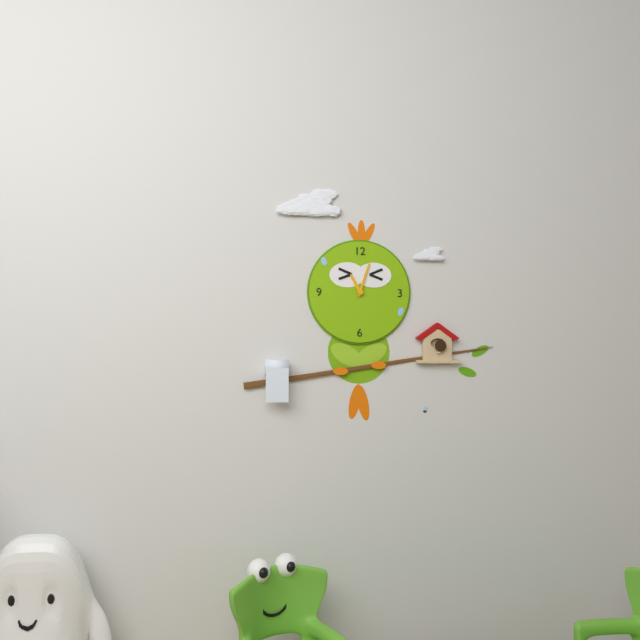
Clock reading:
{"hour": 11, "minute": 3}
